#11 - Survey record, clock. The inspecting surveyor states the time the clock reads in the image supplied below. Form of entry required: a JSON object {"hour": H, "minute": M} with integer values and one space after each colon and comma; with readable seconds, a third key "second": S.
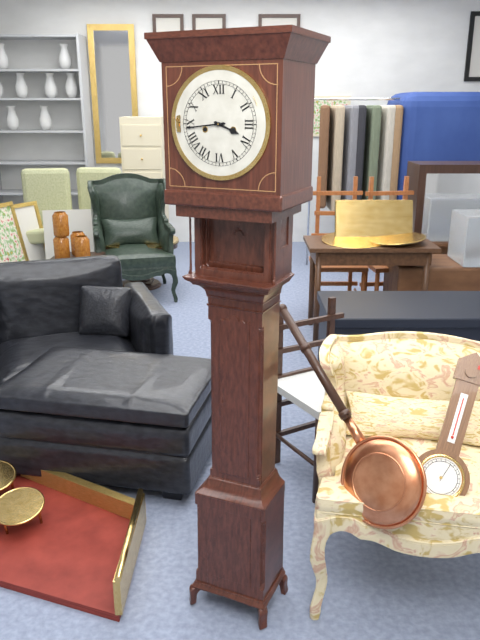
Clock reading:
{"hour": 3, "minute": 44}
